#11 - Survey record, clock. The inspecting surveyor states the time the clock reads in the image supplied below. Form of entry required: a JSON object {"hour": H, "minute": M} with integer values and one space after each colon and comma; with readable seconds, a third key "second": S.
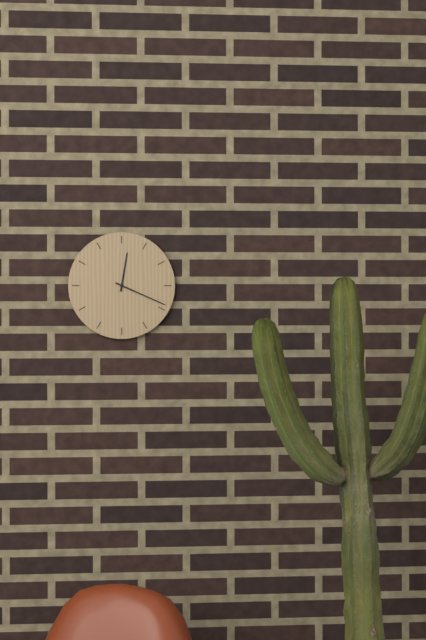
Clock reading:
{"hour": 12, "minute": 19}
